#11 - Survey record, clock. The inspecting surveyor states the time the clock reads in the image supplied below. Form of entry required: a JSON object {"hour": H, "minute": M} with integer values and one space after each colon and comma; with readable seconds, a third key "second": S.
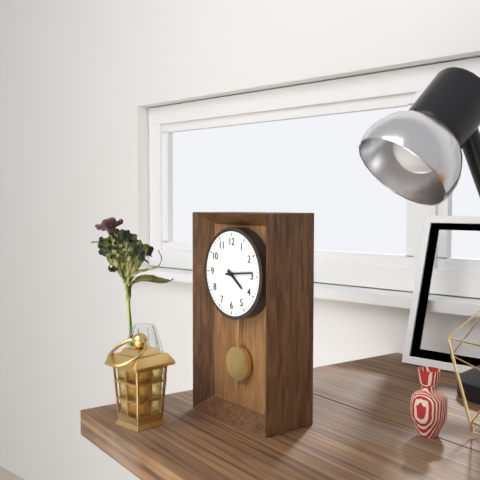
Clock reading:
{"hour": 4, "minute": 14}
